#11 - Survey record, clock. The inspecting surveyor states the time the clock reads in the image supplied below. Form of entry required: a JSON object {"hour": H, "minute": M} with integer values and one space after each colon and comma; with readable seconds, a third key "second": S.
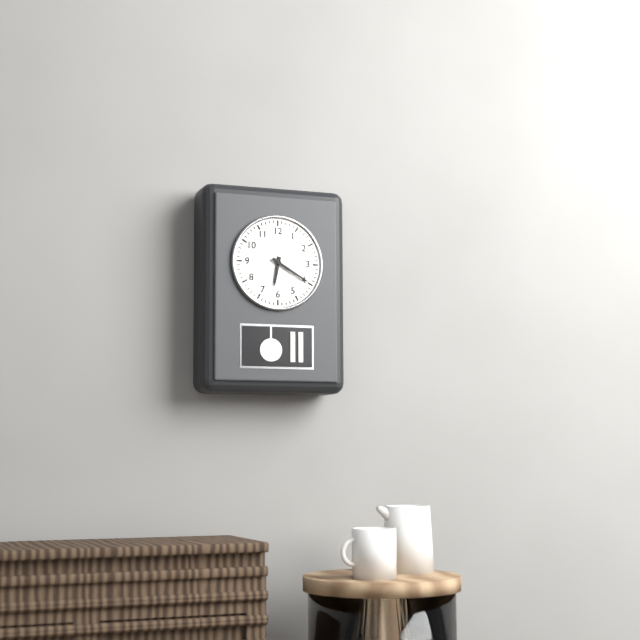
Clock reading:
{"hour": 6, "minute": 20}
